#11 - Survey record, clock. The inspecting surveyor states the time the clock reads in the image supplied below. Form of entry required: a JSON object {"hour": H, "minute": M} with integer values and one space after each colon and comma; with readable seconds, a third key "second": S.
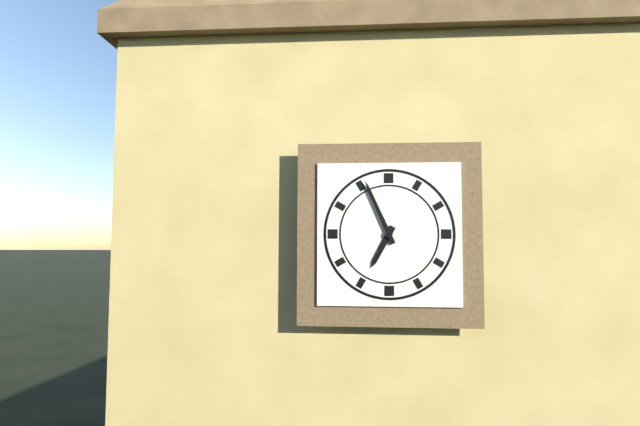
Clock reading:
{"hour": 6, "minute": 56}
